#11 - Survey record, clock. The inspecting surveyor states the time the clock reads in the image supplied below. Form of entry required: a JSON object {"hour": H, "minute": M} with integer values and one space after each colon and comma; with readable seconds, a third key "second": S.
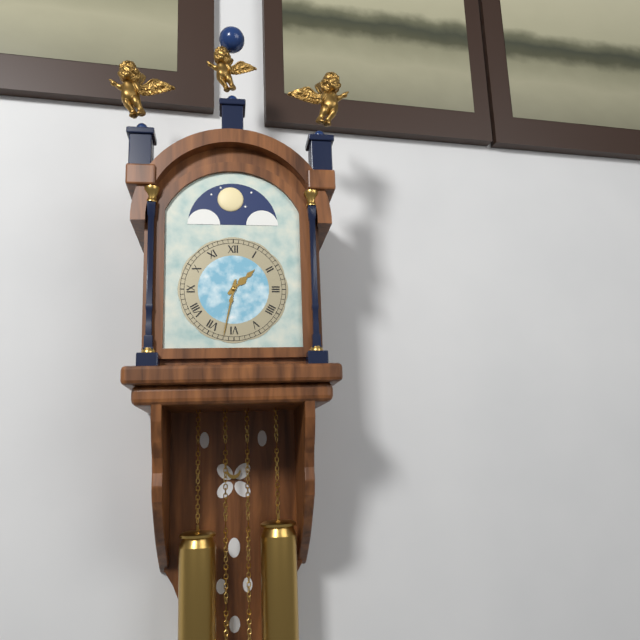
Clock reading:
{"hour": 1, "minute": 32}
